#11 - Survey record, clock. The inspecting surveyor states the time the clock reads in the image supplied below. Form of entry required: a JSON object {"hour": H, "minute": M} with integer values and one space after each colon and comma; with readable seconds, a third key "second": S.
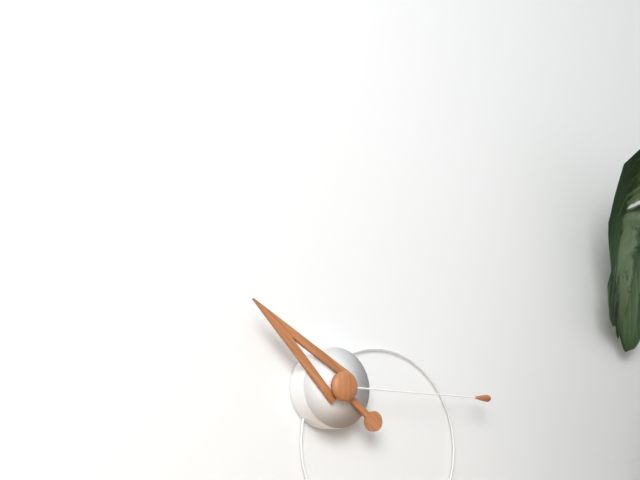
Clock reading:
{"hour": 10, "minute": 15}
